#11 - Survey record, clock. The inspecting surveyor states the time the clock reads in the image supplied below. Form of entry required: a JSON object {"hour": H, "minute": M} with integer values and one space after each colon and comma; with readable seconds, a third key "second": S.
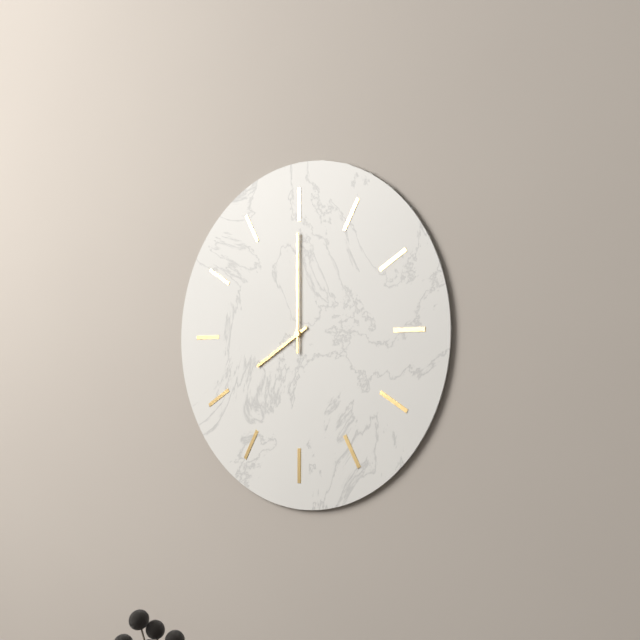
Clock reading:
{"hour": 8, "minute": 0}
